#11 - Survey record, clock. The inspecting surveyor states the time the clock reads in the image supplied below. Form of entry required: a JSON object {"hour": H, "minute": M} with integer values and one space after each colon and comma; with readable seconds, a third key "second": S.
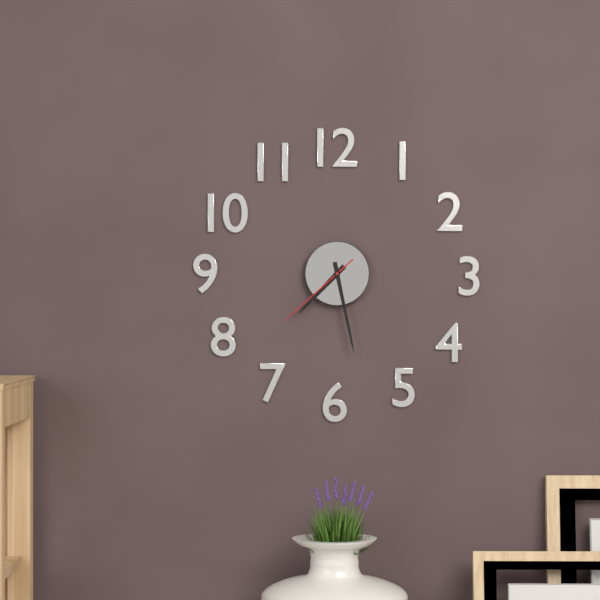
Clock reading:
{"hour": 7, "minute": 28, "second": 38}
